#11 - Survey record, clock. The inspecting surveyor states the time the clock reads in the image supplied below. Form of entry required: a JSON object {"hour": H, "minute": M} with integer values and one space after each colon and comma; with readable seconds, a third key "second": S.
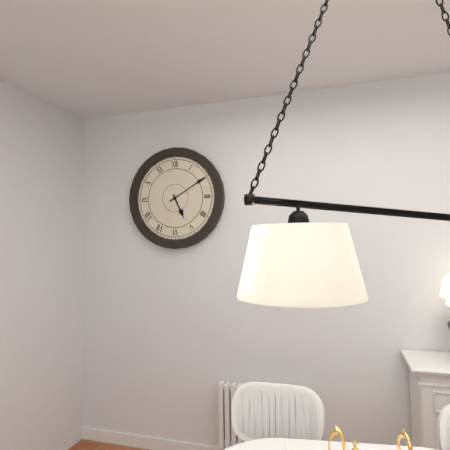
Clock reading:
{"hour": 5, "minute": 10}
